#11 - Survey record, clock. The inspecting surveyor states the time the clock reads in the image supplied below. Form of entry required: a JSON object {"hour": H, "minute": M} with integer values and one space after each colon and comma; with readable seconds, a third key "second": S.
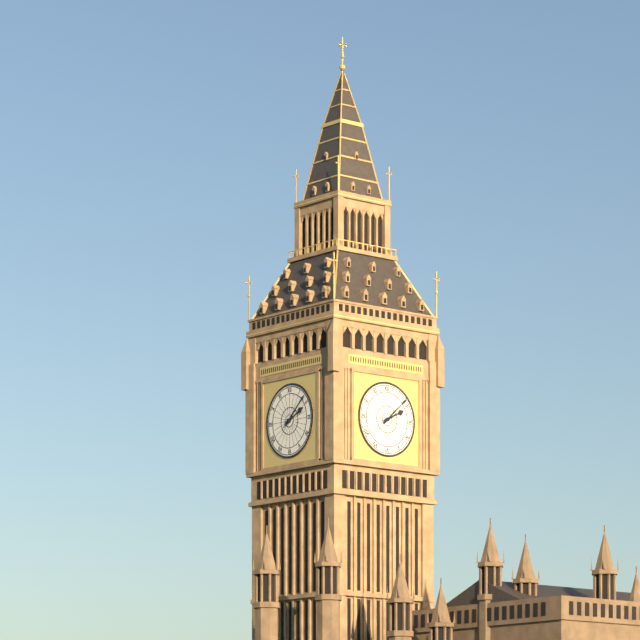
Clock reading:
{"hour": 2, "minute": 8}
